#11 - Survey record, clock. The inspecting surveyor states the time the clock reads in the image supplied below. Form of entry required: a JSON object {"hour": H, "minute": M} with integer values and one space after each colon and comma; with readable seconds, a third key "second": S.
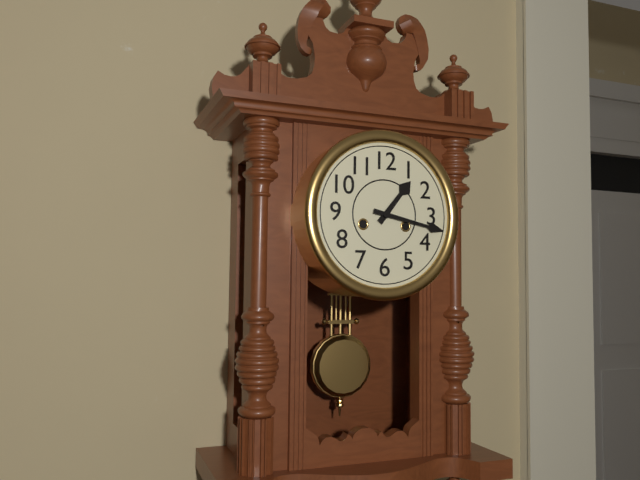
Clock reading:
{"hour": 1, "minute": 17}
